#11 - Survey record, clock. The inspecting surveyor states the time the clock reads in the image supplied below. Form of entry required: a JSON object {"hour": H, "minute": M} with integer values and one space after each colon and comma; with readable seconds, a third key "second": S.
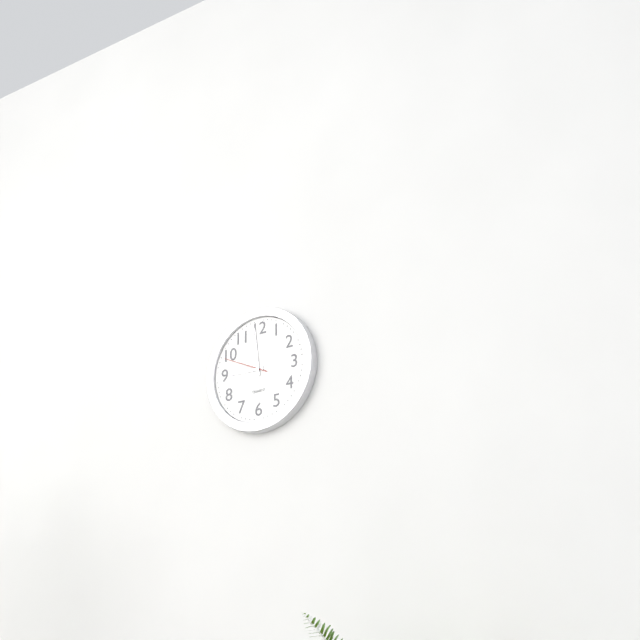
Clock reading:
{"hour": 8, "minute": 59}
